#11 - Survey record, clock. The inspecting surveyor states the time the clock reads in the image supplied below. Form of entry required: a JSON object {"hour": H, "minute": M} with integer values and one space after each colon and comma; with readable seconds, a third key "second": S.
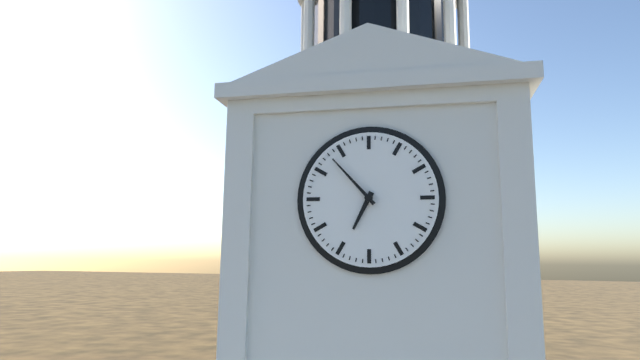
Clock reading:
{"hour": 6, "minute": 53}
